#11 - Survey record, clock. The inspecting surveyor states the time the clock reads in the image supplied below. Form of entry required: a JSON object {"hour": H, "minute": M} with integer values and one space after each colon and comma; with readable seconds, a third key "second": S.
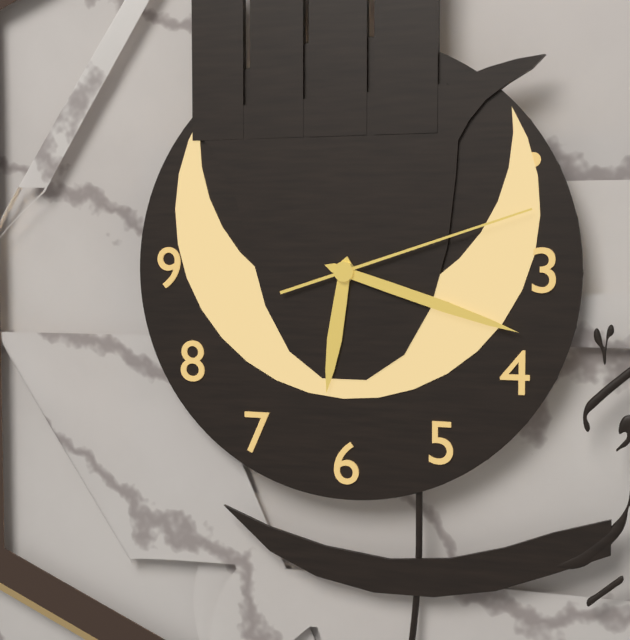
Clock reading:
{"hour": 6, "minute": 18, "second": 12}
